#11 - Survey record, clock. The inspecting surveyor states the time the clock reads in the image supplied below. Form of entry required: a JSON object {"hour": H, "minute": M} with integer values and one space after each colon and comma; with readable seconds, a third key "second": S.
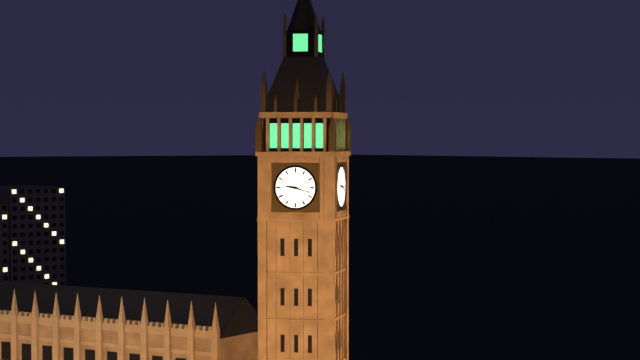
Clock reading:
{"hour": 9, "minute": 18}
